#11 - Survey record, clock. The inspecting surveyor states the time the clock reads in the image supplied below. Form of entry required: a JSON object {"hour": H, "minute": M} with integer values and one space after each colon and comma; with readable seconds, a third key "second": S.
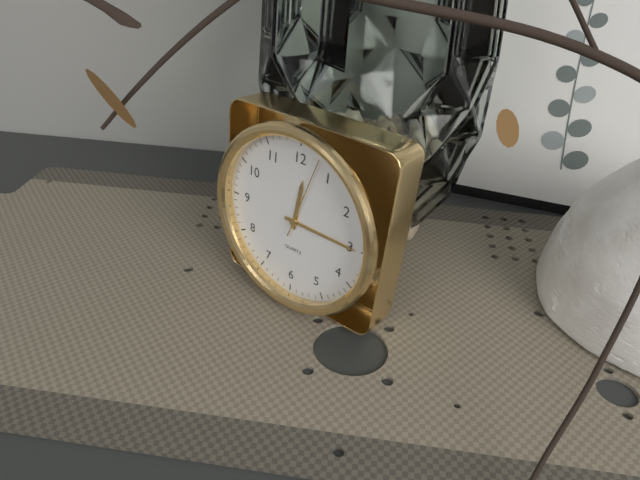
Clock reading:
{"hour": 12, "minute": 15, "second": 3}
